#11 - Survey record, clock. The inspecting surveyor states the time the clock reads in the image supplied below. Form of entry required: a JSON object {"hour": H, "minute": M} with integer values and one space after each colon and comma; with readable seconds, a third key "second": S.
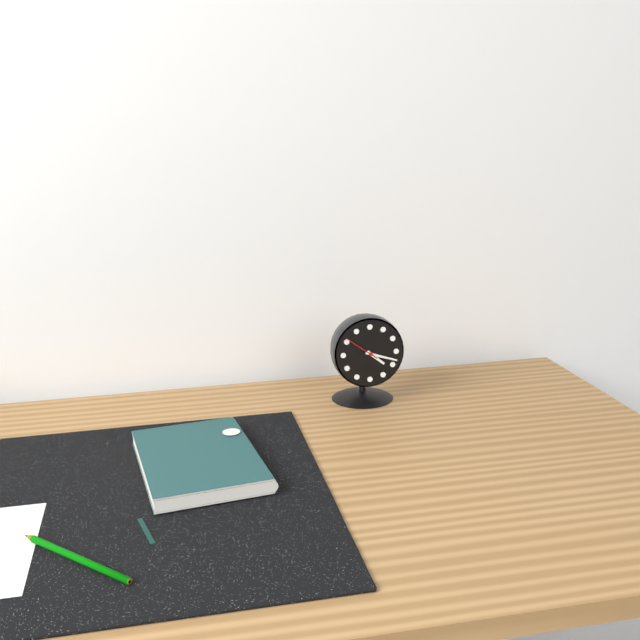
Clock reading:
{"hour": 4, "minute": 18}
